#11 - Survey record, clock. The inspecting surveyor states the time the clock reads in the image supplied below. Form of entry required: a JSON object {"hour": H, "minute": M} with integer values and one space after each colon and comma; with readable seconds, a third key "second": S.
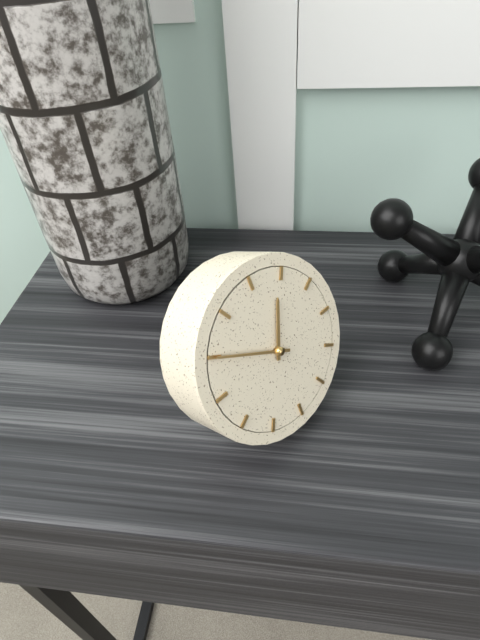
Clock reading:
{"hour": 12, "minute": 50}
